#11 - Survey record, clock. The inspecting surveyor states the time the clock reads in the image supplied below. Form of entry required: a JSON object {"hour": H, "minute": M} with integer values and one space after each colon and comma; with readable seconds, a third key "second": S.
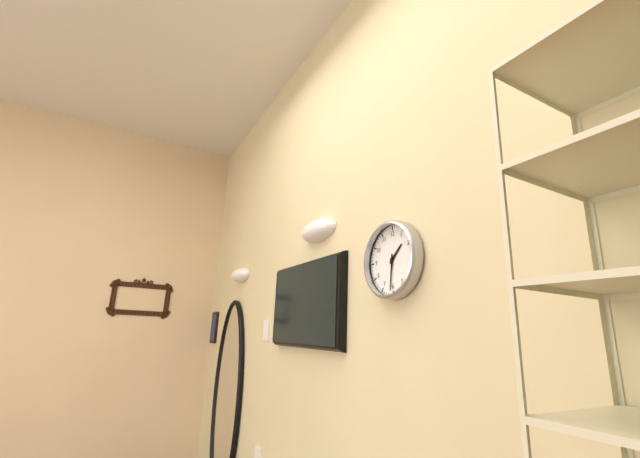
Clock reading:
{"hour": 1, "minute": 31}
